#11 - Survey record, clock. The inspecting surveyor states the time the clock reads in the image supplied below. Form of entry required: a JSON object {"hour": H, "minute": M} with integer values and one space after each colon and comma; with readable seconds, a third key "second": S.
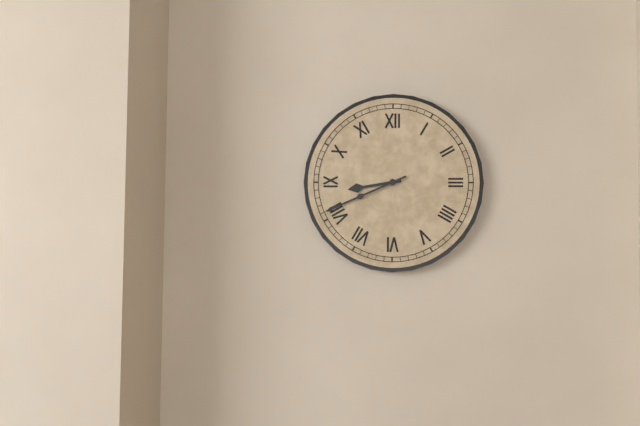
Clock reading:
{"hour": 8, "minute": 41}
